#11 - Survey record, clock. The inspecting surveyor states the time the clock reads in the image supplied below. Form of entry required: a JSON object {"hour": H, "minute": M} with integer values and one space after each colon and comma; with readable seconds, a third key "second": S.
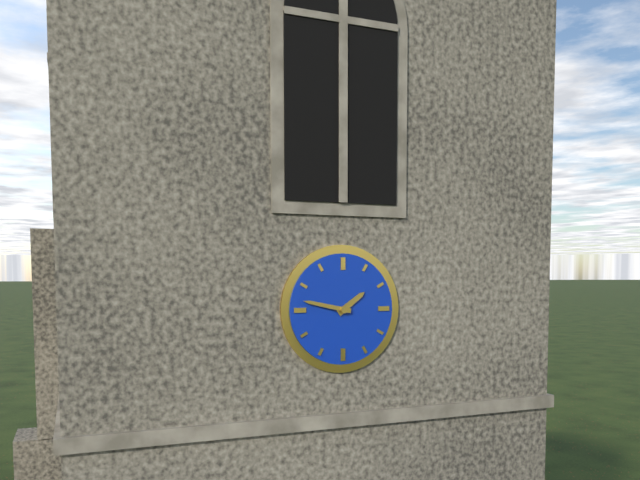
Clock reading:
{"hour": 1, "minute": 47}
